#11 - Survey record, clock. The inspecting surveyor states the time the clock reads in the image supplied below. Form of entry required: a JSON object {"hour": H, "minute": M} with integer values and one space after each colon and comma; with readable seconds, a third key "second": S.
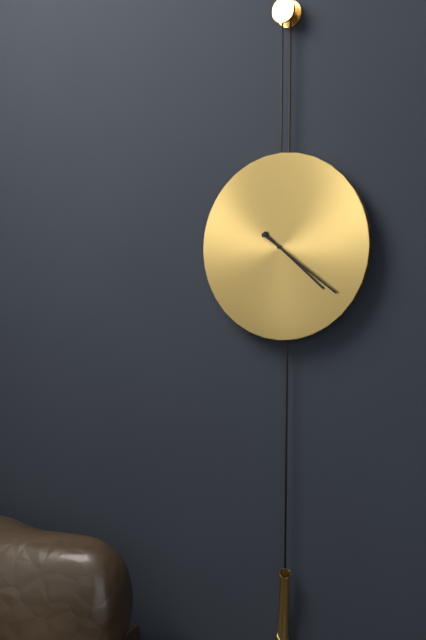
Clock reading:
{"hour": 4, "minute": 21}
